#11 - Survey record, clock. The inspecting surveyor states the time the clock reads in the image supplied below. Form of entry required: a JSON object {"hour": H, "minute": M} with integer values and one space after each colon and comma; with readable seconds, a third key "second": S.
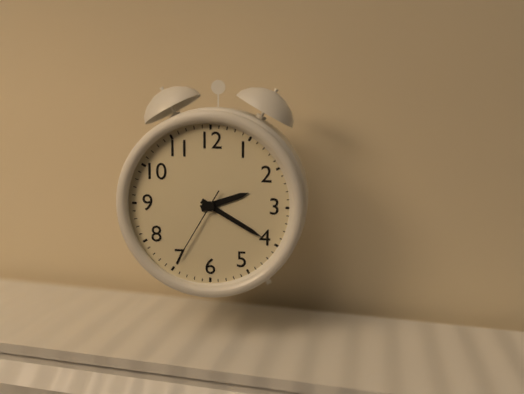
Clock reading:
{"hour": 2, "minute": 20, "second": 35}
